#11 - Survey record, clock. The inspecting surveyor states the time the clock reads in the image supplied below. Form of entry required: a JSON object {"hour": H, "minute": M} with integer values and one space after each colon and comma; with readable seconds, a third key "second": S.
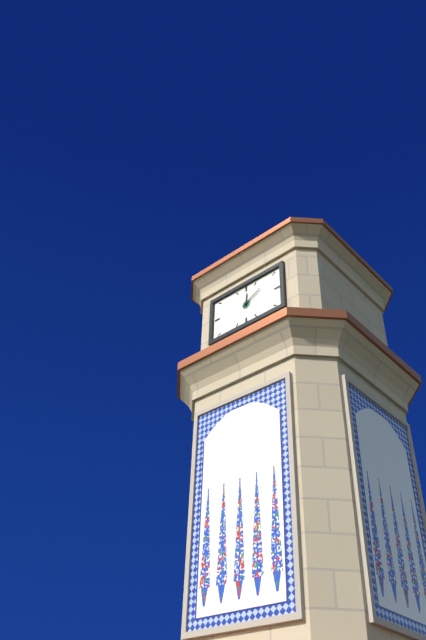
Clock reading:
{"hour": 12, "minute": 10}
